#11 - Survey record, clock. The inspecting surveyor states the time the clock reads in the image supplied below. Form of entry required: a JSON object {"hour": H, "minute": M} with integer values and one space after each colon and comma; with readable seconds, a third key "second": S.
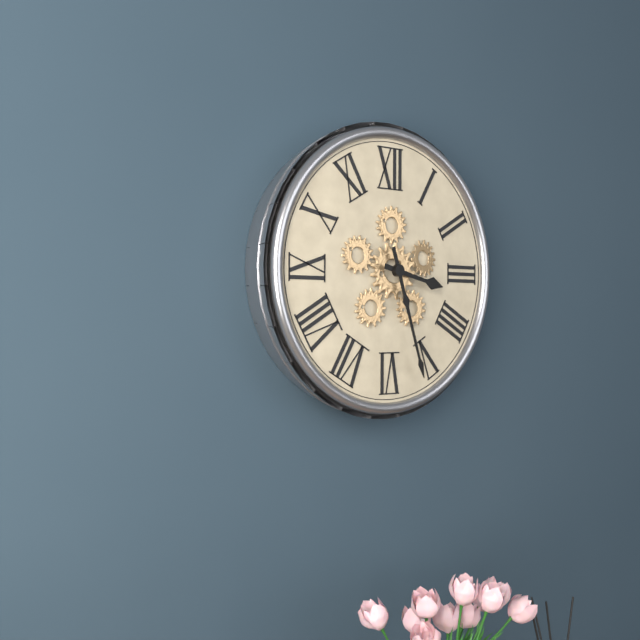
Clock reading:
{"hour": 3, "minute": 27}
